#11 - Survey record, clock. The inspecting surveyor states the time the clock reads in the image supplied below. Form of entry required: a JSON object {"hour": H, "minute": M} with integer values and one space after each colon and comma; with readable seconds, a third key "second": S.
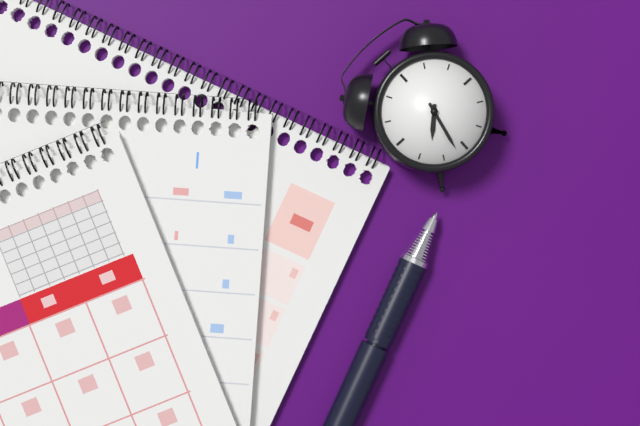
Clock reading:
{"hour": 7, "minute": 32}
